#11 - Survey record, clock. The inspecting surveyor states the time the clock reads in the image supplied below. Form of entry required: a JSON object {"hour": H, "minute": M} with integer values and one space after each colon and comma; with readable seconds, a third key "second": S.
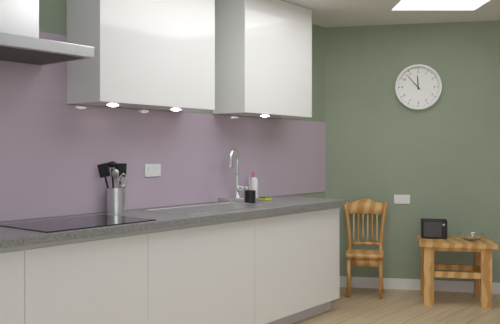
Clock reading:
{"hour": 11, "minute": 53}
